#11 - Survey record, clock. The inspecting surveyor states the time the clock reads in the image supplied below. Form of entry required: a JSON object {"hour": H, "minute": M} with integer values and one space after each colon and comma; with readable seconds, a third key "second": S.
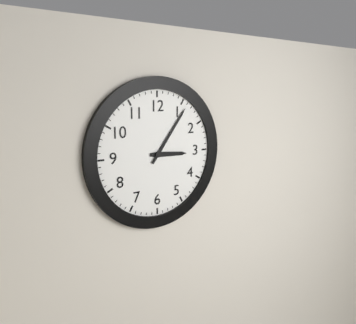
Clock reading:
{"hour": 3, "minute": 6}
